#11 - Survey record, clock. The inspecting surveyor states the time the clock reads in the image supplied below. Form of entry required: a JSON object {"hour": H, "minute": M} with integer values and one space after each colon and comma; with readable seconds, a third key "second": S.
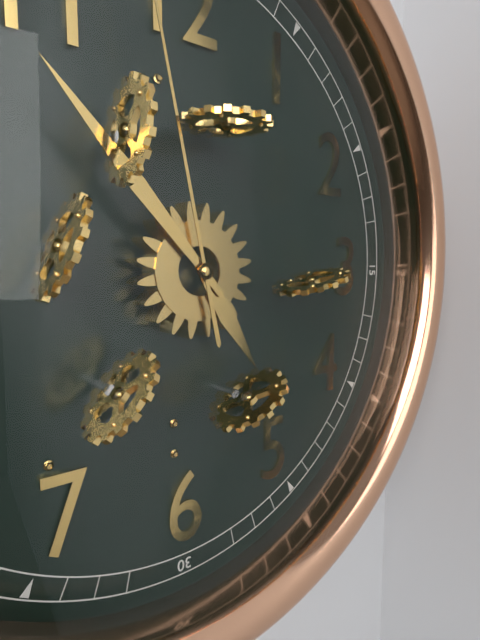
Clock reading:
{"hour": 4, "minute": 53}
